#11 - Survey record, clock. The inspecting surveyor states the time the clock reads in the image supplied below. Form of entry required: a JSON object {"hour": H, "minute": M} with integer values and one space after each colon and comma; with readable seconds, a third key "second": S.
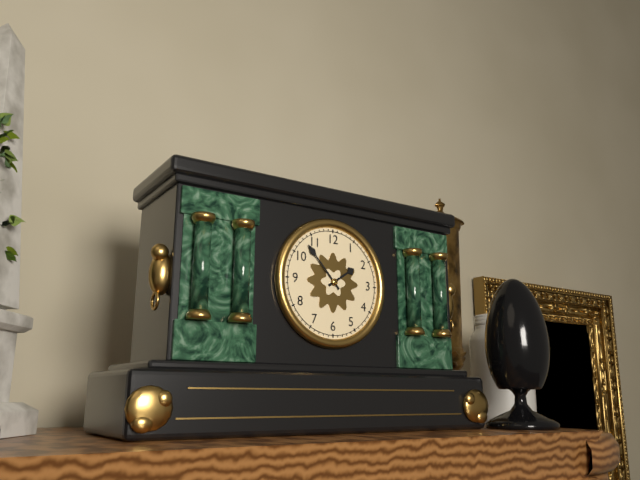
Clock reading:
{"hour": 1, "minute": 53}
